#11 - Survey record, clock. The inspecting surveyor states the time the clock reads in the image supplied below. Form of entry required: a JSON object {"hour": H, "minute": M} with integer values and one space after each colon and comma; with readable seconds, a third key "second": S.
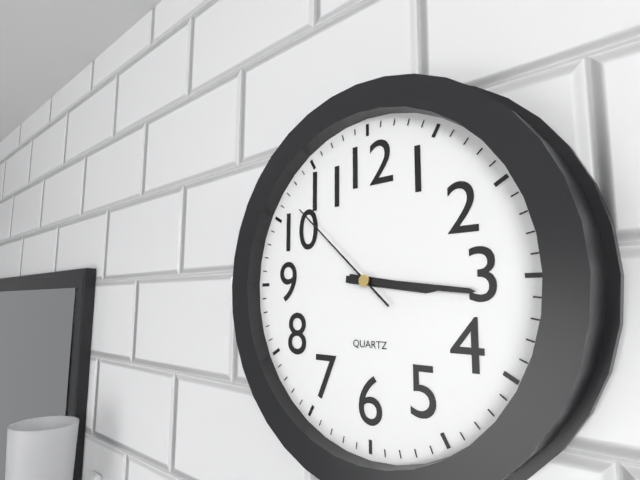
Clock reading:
{"hour": 3, "minute": 16, "second": 52}
